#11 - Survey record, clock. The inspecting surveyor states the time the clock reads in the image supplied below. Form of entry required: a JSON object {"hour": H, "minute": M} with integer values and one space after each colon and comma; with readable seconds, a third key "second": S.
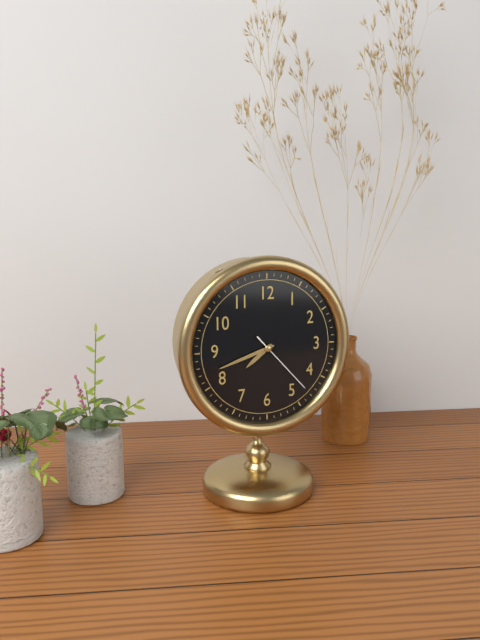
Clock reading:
{"hour": 7, "minute": 42, "second": 23}
